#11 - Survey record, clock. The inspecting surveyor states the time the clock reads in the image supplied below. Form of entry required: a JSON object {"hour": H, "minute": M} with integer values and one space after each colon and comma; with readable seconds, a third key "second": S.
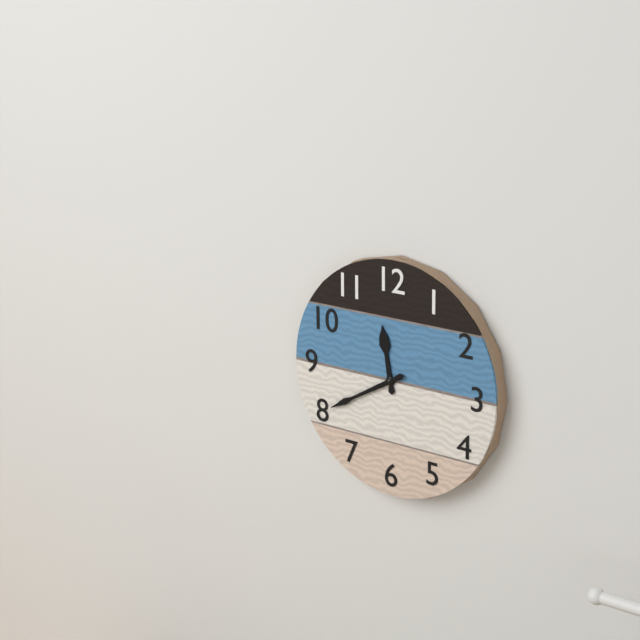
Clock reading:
{"hour": 11, "minute": 40}
